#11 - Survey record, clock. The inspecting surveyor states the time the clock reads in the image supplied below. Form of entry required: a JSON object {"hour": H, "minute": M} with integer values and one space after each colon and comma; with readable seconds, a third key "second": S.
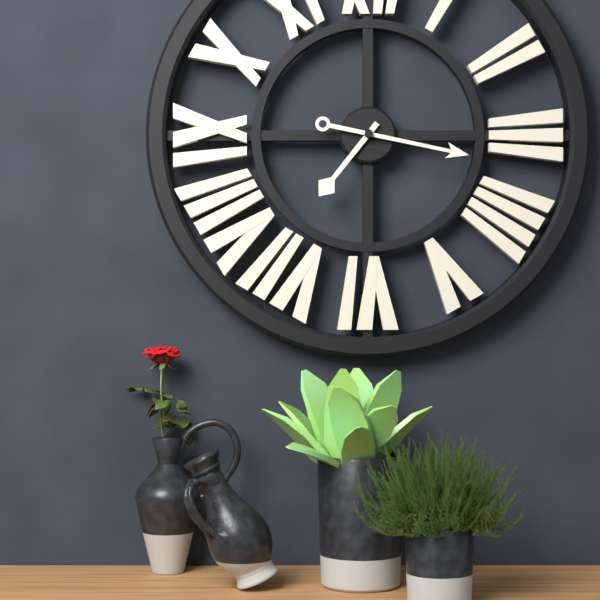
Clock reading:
{"hour": 7, "minute": 17}
